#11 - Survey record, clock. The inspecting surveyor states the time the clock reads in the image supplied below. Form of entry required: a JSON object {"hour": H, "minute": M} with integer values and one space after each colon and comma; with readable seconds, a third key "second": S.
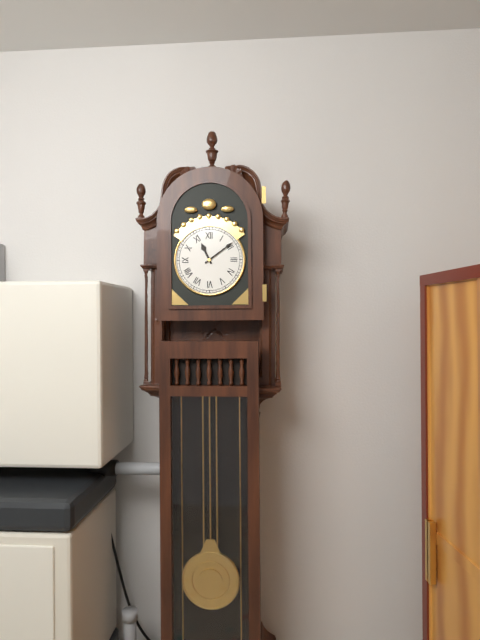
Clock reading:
{"hour": 11, "minute": 9}
